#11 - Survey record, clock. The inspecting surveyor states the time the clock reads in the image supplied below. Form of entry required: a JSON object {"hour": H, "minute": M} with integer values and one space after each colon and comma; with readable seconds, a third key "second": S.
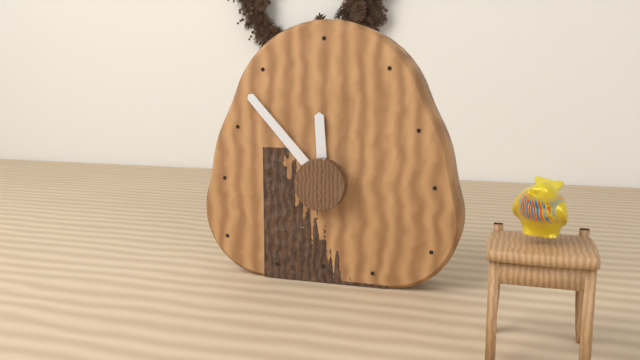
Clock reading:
{"hour": 11, "minute": 53}
